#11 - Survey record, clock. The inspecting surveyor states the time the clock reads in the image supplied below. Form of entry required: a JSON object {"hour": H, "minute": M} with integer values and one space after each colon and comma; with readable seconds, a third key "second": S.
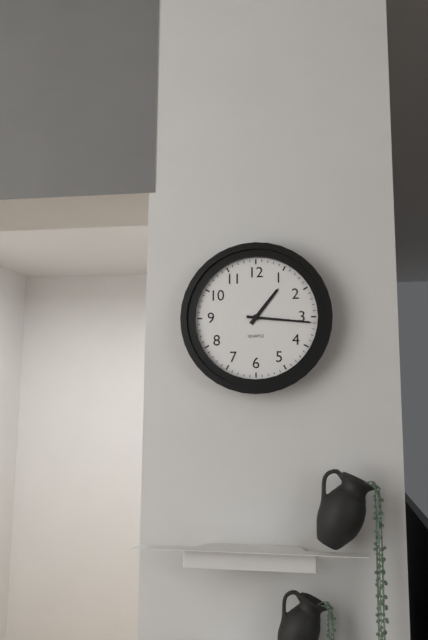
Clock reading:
{"hour": 1, "minute": 16}
